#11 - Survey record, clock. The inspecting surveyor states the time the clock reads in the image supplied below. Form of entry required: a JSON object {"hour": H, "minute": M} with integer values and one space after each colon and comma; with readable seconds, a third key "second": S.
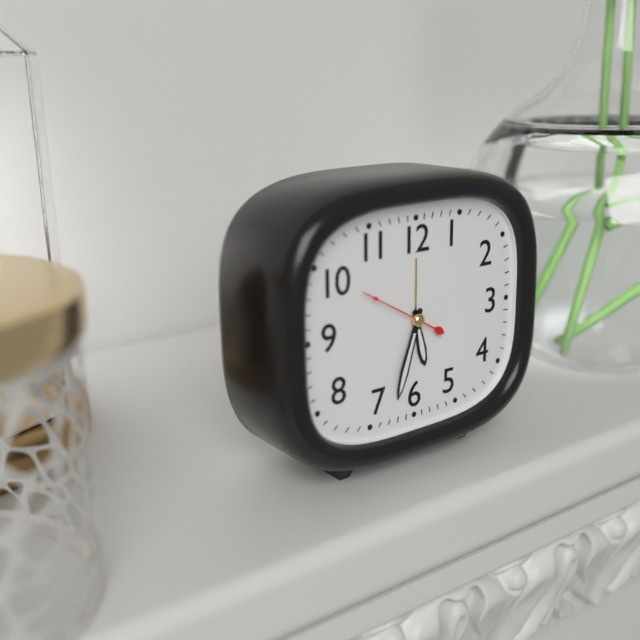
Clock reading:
{"hour": 5, "minute": 33}
